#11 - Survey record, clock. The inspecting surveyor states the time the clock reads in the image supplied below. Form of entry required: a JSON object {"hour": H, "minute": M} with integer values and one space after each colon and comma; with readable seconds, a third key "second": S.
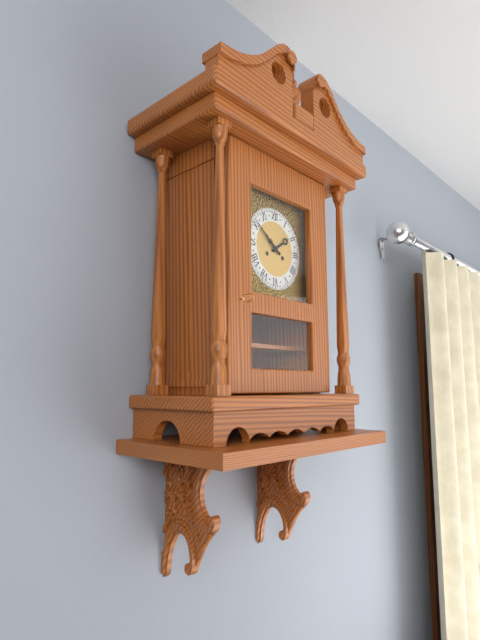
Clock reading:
{"hour": 1, "minute": 51}
